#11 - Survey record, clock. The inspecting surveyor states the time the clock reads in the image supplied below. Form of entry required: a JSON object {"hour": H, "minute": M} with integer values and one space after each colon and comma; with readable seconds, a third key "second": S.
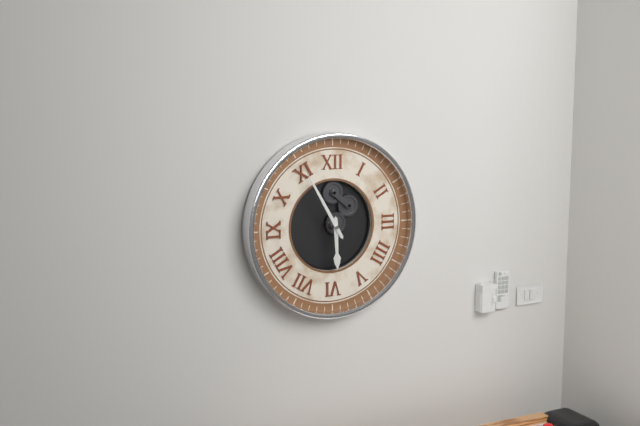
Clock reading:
{"hour": 5, "minute": 55}
